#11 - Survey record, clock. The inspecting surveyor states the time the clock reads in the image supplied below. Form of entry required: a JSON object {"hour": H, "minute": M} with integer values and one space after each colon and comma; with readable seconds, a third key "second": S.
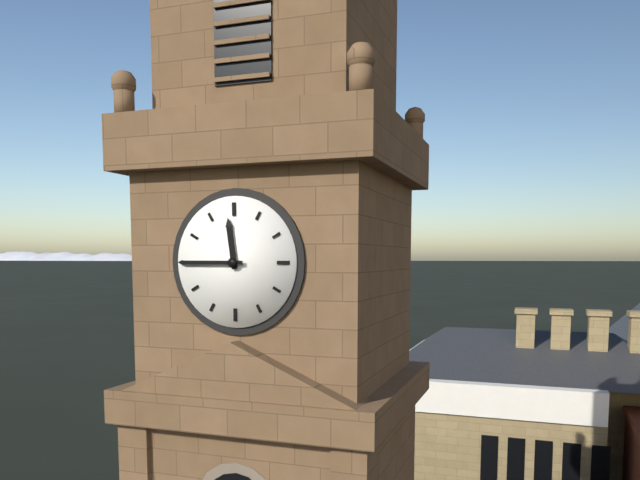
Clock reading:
{"hour": 11, "minute": 45}
